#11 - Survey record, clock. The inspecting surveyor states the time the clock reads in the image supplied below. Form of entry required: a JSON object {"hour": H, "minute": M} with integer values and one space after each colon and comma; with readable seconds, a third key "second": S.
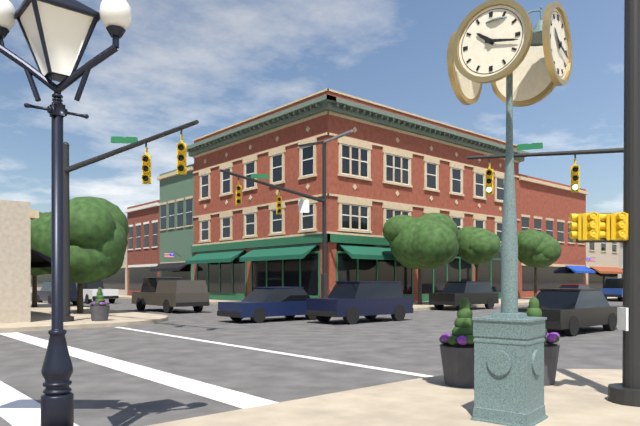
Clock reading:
{"hour": 10, "minute": 17}
